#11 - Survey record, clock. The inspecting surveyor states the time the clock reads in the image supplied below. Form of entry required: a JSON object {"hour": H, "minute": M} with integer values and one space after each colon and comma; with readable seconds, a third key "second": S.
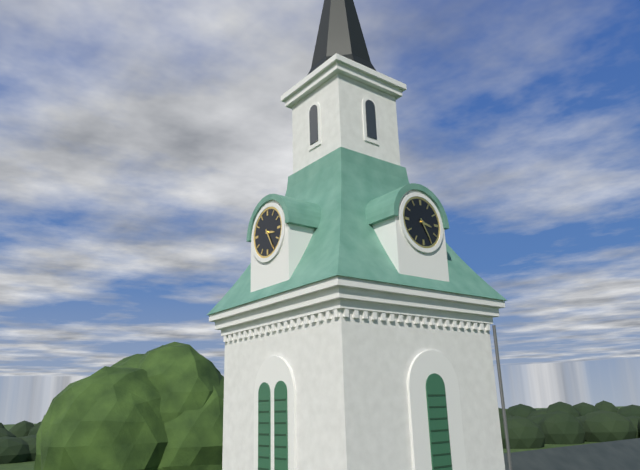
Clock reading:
{"hour": 3, "minute": 25}
